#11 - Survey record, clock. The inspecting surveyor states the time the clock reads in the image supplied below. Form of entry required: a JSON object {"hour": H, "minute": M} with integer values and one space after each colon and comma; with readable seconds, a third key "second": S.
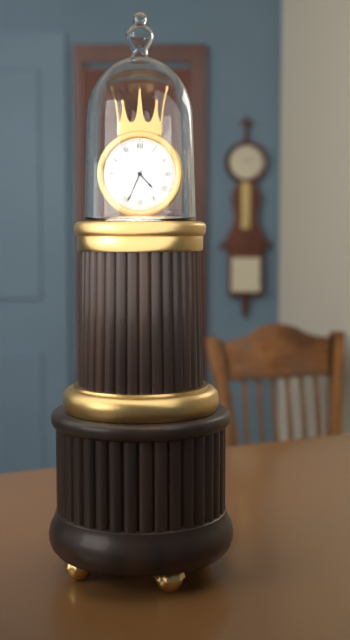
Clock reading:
{"hour": 4, "minute": 34}
